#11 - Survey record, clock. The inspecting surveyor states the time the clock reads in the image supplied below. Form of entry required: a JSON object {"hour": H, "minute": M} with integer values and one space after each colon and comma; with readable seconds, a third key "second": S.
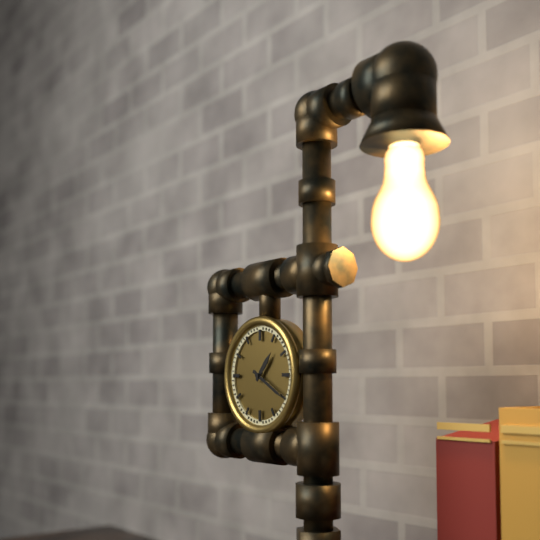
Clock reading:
{"hour": 1, "minute": 20}
